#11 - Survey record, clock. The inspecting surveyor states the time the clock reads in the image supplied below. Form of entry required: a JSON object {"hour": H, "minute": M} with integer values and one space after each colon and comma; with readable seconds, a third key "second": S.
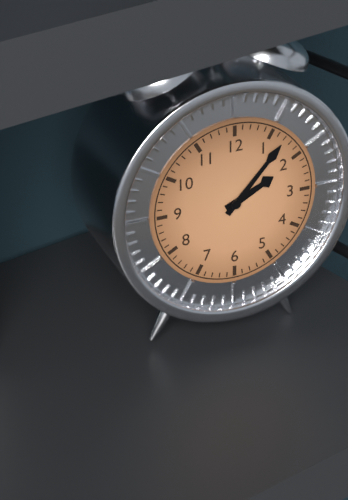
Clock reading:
{"hour": 2, "minute": 7}
